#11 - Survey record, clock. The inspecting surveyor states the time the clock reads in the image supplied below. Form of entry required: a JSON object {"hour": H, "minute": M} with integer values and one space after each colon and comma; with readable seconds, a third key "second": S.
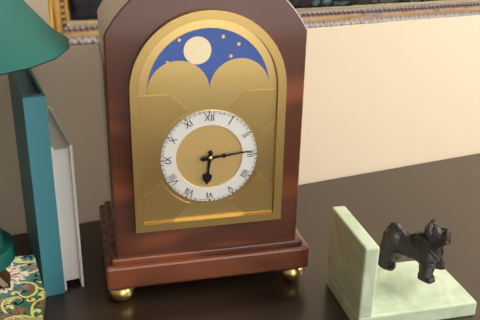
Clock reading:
{"hour": 6, "minute": 14}
